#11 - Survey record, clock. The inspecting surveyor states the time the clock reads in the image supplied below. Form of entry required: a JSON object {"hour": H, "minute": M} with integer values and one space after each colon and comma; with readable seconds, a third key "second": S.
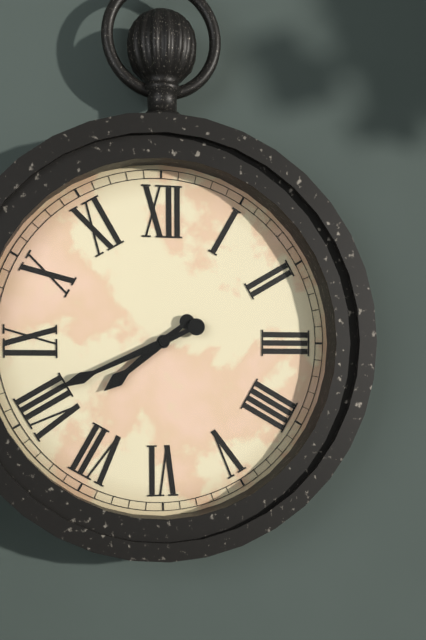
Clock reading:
{"hour": 7, "minute": 41}
